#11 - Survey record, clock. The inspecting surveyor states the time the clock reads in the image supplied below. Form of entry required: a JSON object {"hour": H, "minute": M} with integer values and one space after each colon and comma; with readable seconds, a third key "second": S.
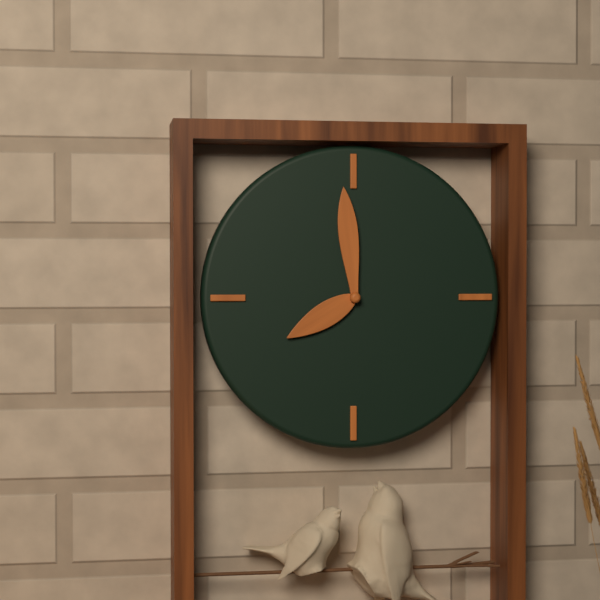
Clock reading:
{"hour": 7, "minute": 59}
